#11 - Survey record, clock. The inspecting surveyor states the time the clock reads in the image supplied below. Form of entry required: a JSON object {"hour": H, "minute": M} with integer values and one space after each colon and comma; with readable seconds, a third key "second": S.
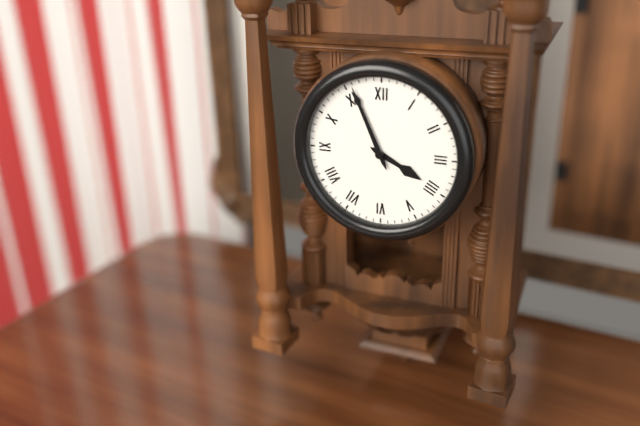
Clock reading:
{"hour": 3, "minute": 56}
